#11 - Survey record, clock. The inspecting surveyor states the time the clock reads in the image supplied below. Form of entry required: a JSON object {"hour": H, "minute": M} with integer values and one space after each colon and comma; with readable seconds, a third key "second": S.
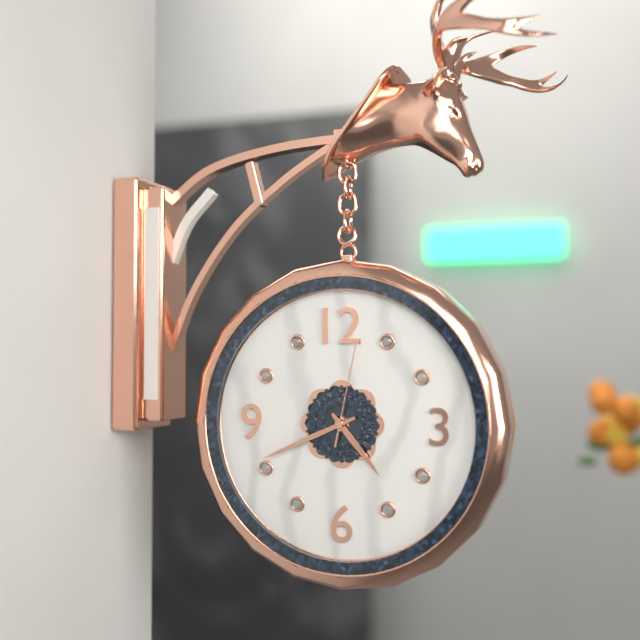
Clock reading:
{"hour": 4, "minute": 41, "second": 2}
